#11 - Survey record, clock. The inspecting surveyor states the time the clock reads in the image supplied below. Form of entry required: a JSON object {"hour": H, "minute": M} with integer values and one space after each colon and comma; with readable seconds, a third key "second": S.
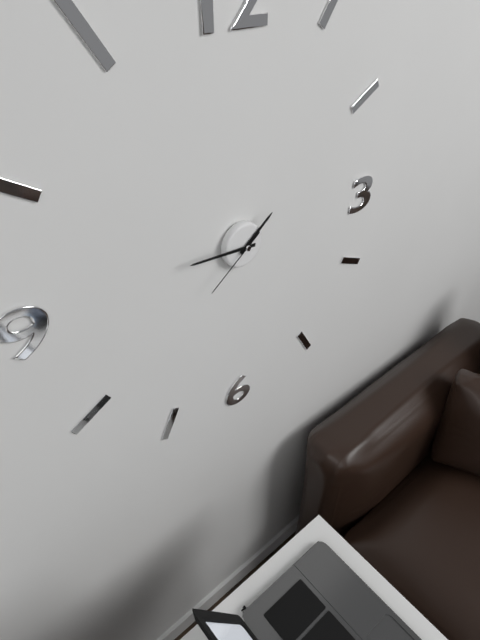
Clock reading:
{"hour": 1, "minute": 46, "second": 39}
